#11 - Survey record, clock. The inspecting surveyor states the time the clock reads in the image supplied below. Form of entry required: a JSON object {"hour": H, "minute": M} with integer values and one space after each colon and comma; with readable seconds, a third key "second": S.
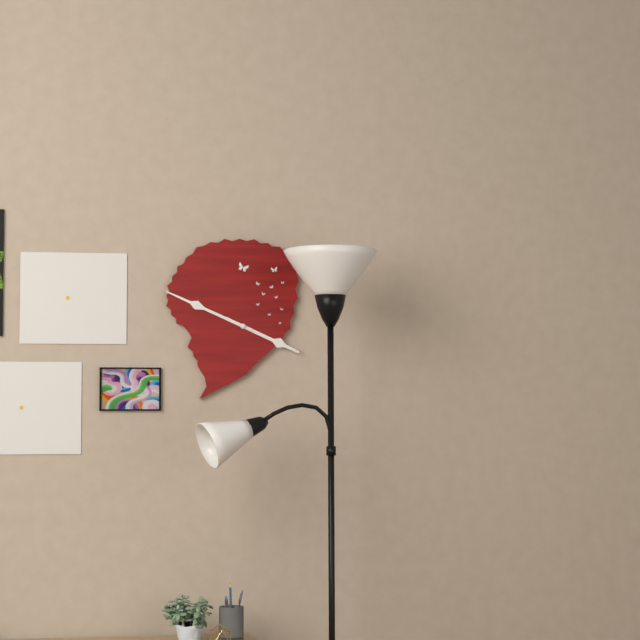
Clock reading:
{"hour": 3, "minute": 49}
